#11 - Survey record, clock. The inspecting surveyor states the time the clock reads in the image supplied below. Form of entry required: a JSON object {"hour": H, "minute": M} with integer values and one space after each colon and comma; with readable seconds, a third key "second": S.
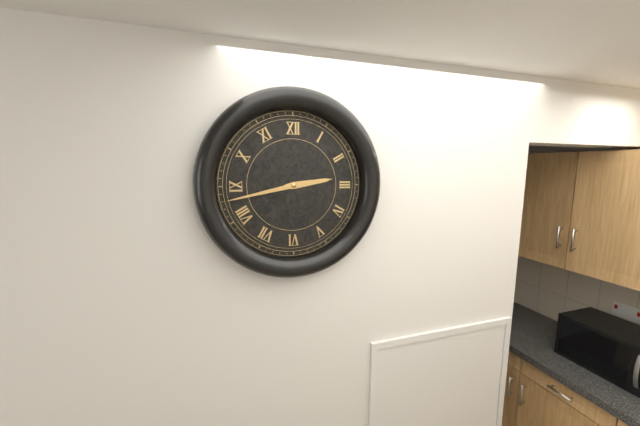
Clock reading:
{"hour": 2, "minute": 43}
